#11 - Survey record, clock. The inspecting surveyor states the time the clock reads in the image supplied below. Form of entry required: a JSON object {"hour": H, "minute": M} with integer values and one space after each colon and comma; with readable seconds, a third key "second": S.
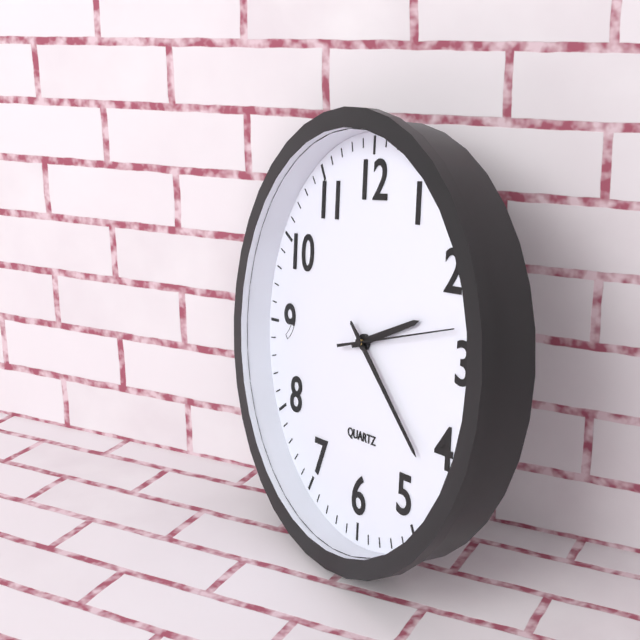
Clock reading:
{"hour": 2, "minute": 22, "second": 13}
